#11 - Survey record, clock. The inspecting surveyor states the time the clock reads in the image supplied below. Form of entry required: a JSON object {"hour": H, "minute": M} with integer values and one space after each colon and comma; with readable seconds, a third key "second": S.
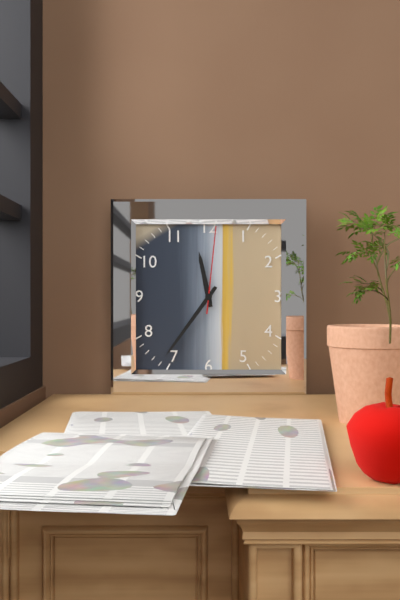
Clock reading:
{"hour": 11, "minute": 36, "second": 1}
